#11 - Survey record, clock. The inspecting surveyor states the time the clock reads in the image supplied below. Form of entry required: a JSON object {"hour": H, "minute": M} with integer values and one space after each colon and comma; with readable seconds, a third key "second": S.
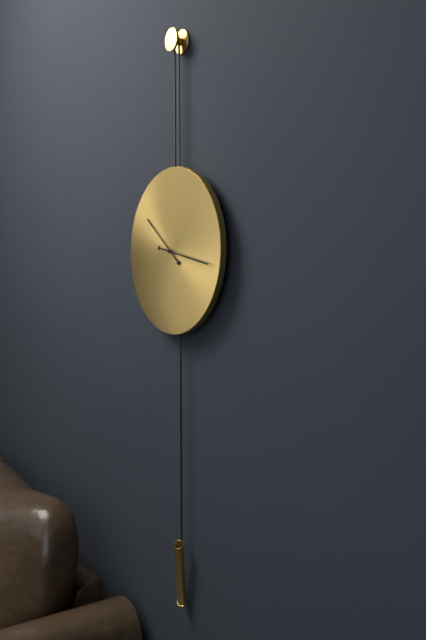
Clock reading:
{"hour": 10, "minute": 17}
